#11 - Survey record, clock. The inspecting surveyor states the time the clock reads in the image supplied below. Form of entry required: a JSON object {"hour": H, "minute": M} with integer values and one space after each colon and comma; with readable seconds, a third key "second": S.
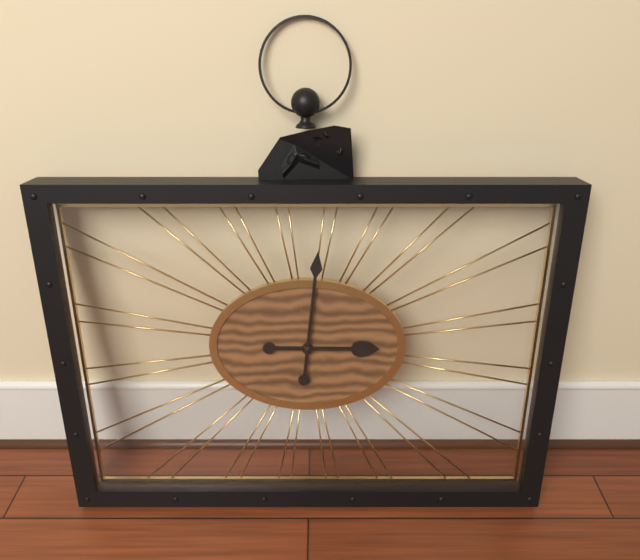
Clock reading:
{"hour": 3, "minute": 1}
